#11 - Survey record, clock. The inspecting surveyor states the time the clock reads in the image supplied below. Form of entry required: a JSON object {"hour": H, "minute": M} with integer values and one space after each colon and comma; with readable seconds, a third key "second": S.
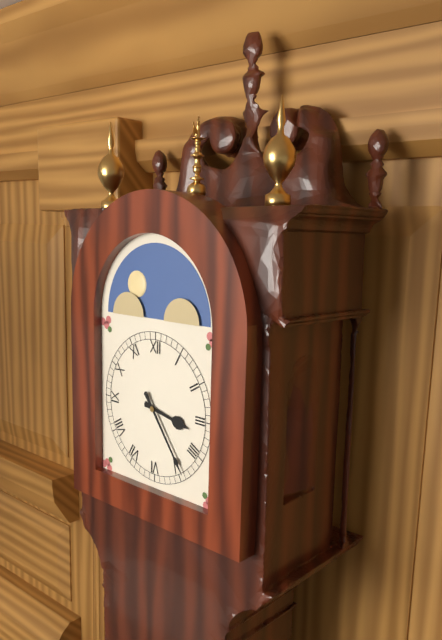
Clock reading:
{"hour": 3, "minute": 24}
